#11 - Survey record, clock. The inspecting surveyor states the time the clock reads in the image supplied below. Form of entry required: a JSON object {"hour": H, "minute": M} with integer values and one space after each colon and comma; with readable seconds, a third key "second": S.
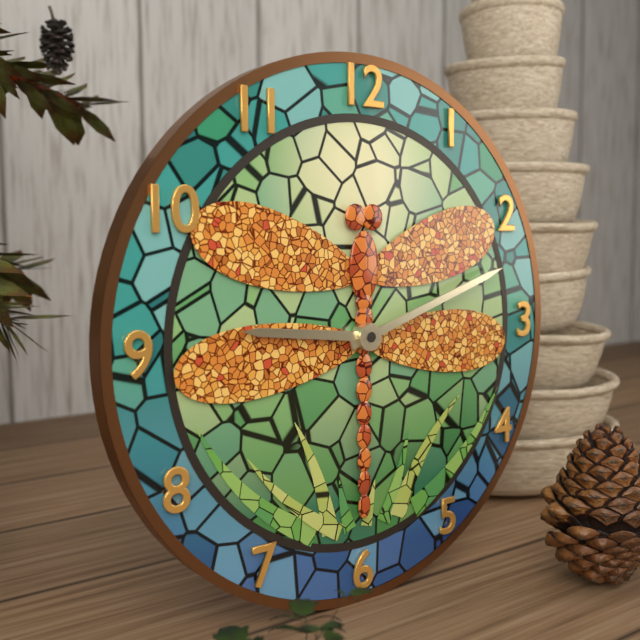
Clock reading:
{"hour": 9, "minute": 12}
